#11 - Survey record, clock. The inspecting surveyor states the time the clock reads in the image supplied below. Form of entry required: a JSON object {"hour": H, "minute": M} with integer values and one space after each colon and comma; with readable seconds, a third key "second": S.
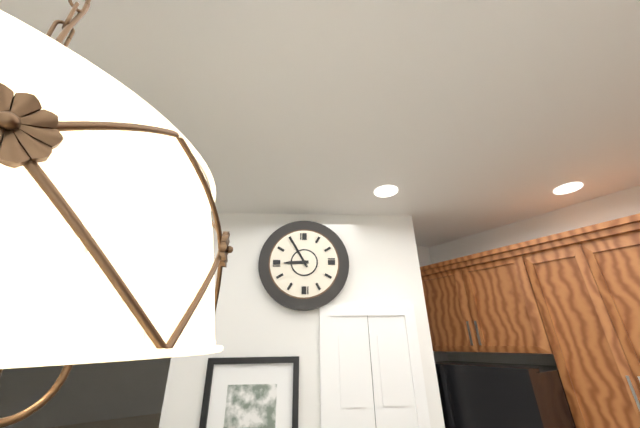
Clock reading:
{"hour": 8, "minute": 55}
